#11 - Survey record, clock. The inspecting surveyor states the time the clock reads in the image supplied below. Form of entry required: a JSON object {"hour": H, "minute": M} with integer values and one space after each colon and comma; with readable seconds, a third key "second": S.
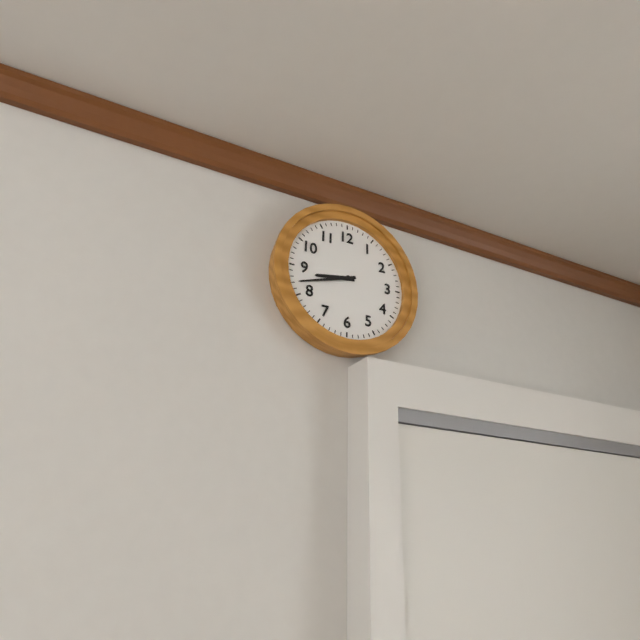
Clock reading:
{"hour": 8, "minute": 42}
